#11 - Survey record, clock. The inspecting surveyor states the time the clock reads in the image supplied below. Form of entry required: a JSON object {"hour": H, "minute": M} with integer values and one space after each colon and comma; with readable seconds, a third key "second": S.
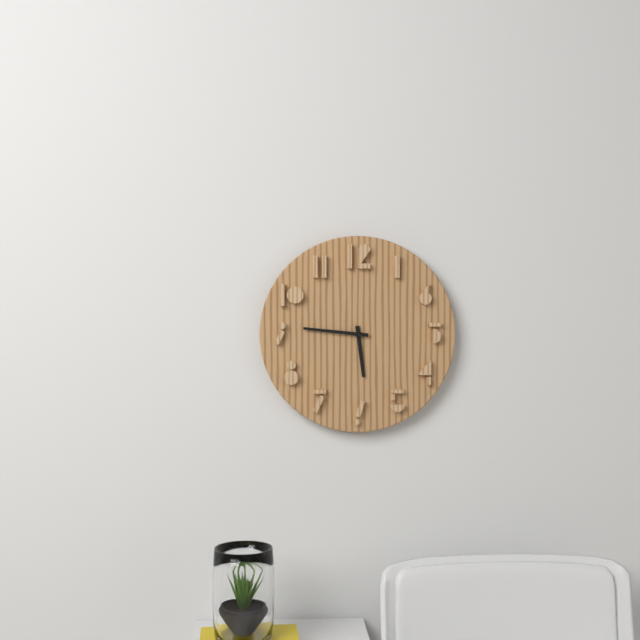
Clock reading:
{"hour": 5, "minute": 46}
